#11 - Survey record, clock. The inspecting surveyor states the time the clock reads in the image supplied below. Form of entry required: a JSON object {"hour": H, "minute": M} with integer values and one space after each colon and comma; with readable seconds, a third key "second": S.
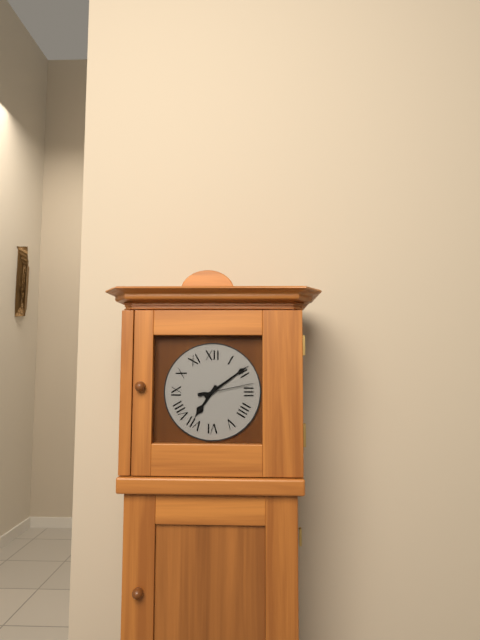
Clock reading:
{"hour": 7, "minute": 9, "second": 13}
